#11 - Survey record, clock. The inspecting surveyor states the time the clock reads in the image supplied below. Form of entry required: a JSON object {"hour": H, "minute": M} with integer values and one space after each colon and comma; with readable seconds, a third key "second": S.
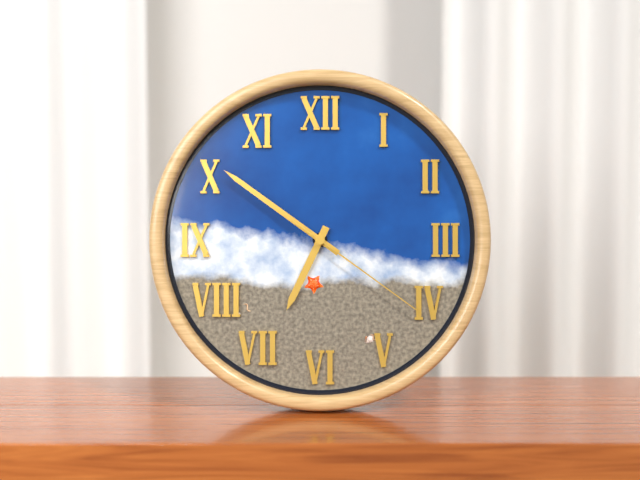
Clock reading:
{"hour": 6, "minute": 51, "second": 21}
